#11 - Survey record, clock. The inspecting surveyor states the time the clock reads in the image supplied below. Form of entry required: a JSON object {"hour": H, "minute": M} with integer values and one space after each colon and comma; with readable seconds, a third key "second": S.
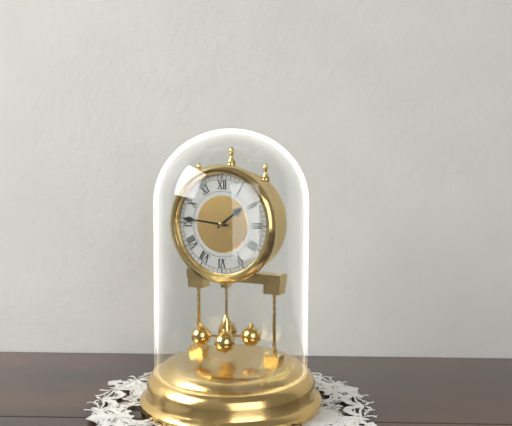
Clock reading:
{"hour": 1, "minute": 46}
